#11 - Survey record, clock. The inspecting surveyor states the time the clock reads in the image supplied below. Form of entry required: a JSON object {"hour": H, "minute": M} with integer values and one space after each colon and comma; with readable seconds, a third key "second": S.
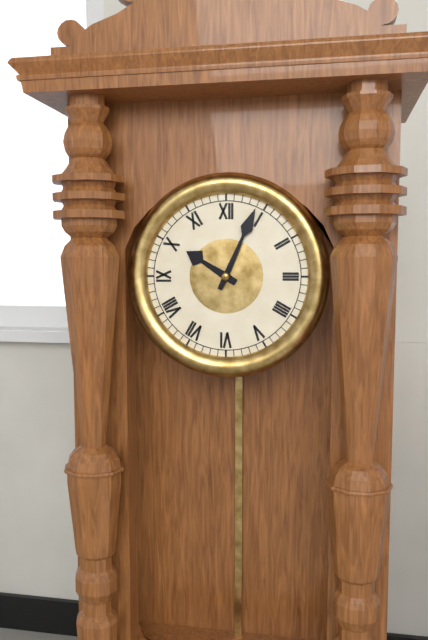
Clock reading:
{"hour": 10, "minute": 4}
